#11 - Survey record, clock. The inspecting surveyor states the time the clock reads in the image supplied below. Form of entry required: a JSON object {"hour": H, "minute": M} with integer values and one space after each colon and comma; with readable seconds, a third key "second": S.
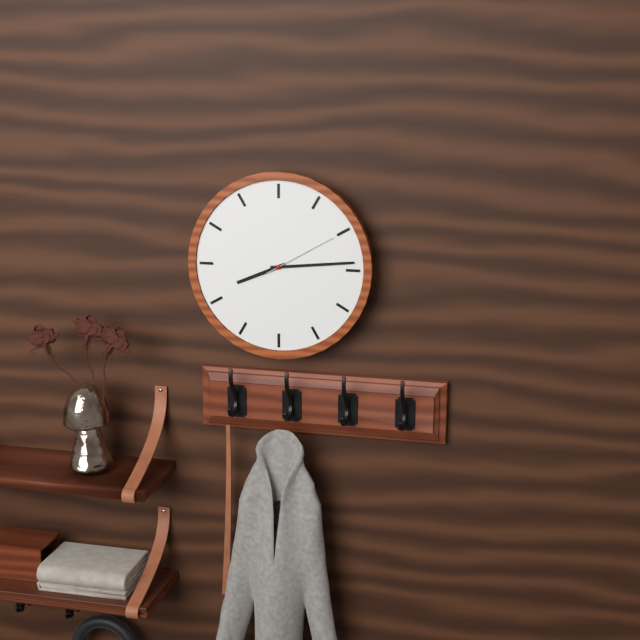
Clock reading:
{"hour": 8, "minute": 14, "second": 10}
